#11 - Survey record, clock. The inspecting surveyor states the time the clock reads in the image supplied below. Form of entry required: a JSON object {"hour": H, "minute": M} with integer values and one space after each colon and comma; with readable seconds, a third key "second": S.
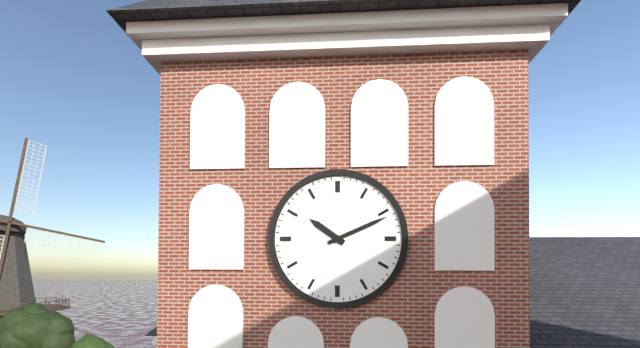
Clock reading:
{"hour": 10, "minute": 11}
